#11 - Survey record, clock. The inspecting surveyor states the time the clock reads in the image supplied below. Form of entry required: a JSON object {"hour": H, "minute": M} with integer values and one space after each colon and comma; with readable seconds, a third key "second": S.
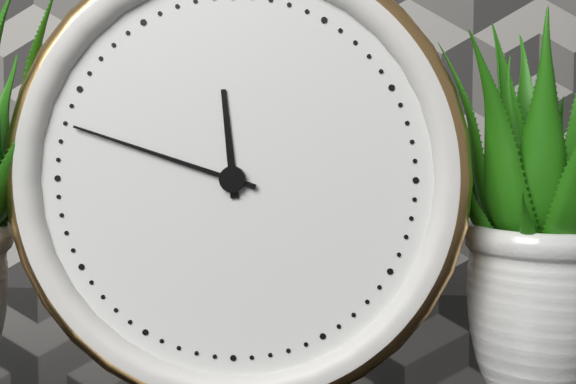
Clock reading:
{"hour": 11, "minute": 48}
